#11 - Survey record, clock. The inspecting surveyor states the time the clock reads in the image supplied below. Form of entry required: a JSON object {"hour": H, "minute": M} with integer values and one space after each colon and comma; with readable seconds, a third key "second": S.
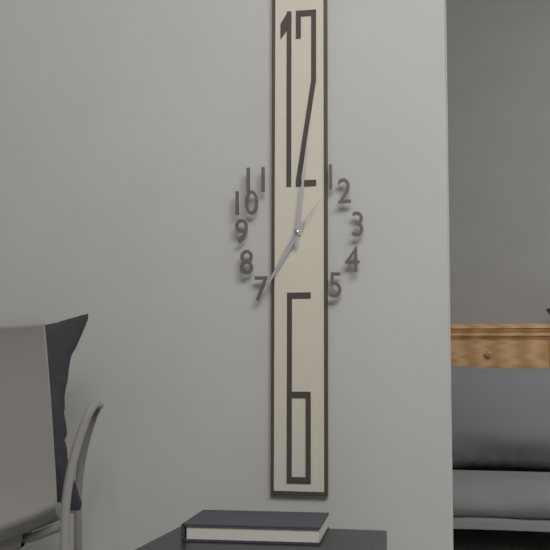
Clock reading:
{"hour": 7, "minute": 1, "second": 6}
